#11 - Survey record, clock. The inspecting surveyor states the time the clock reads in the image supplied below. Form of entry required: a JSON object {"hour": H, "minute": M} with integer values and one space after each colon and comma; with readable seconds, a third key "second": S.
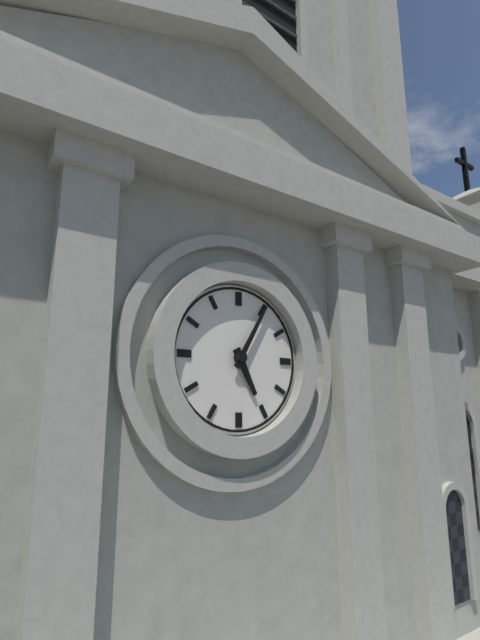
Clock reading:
{"hour": 5, "minute": 5}
